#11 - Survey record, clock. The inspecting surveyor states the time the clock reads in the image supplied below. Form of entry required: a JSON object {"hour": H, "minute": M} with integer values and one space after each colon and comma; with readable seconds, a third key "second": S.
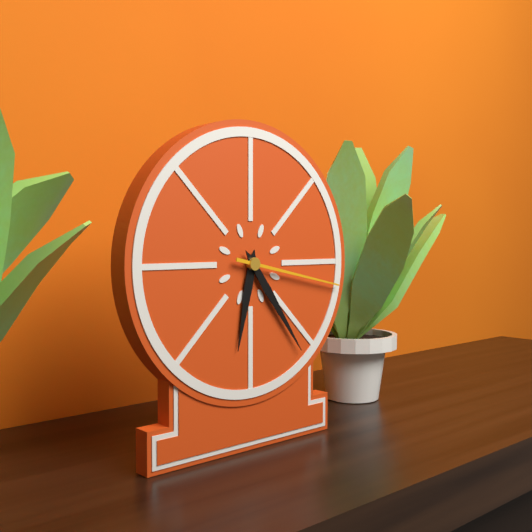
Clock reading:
{"hour": 6, "minute": 24, "second": 17}
